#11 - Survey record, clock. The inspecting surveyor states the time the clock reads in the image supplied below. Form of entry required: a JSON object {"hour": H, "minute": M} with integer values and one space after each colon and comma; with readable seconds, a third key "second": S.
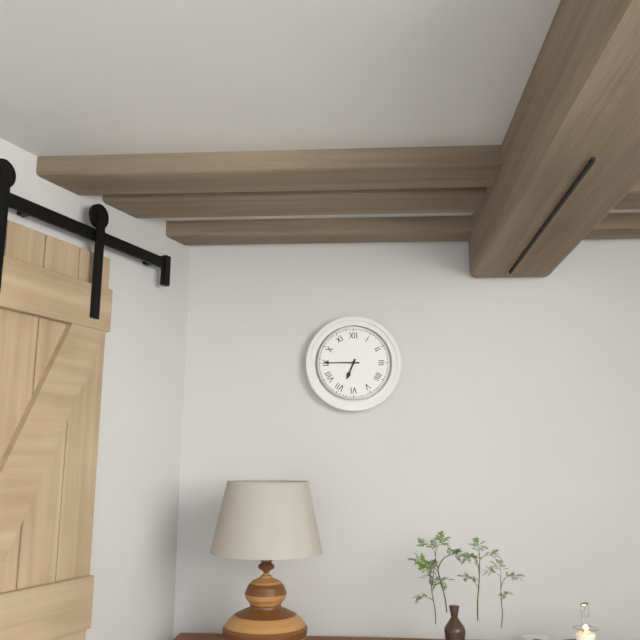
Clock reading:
{"hour": 6, "minute": 45}
